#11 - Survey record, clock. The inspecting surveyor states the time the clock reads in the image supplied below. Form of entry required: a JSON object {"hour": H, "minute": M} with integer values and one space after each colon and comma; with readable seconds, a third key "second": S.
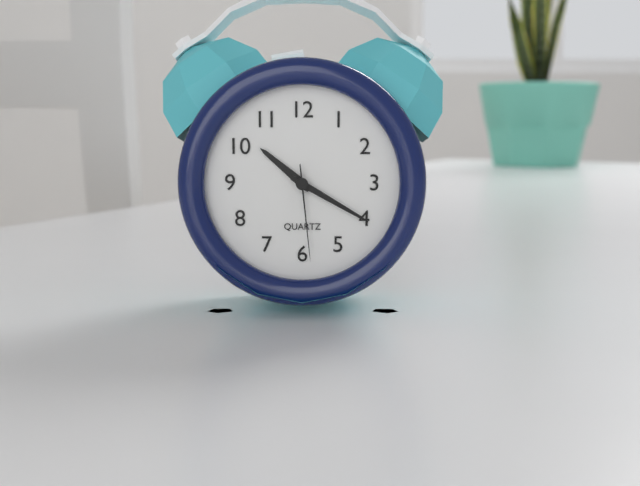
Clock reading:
{"hour": 10, "minute": 20, "second": 29}
